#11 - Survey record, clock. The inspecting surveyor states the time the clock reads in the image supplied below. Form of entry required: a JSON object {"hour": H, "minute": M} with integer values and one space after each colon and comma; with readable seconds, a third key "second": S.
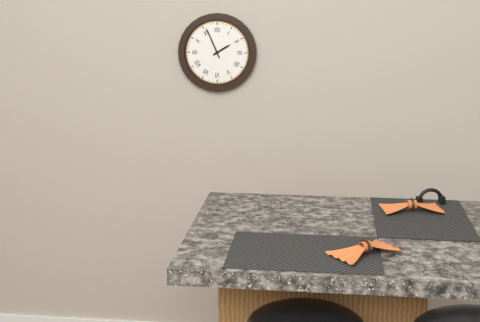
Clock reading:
{"hour": 1, "minute": 56}
